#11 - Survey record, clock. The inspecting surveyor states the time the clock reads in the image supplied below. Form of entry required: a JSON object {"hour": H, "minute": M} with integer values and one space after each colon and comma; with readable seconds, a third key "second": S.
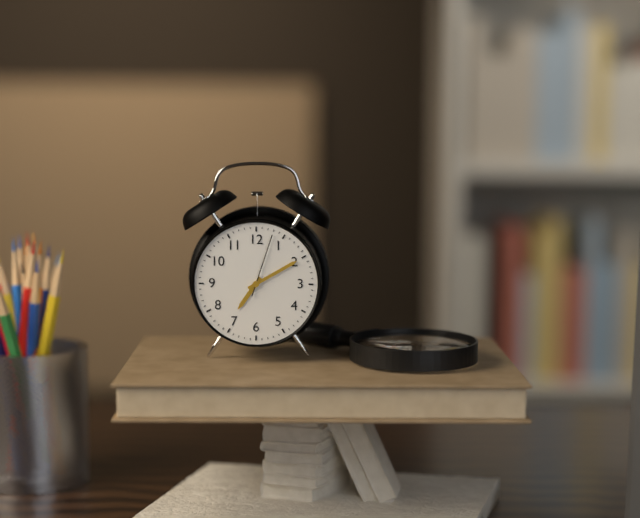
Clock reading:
{"hour": 7, "minute": 10, "second": 3}
